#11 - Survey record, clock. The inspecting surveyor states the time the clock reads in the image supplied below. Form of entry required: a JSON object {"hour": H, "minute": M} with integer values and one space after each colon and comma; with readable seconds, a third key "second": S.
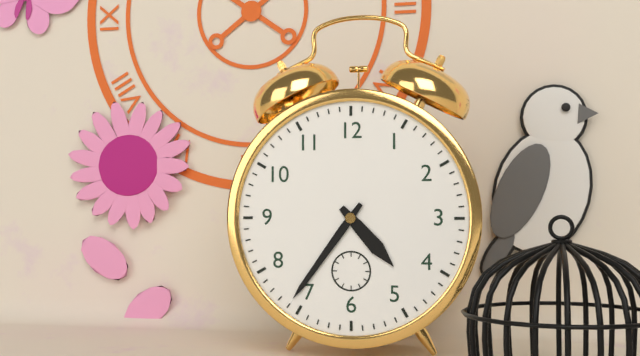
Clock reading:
{"hour": 4, "minute": 36}
